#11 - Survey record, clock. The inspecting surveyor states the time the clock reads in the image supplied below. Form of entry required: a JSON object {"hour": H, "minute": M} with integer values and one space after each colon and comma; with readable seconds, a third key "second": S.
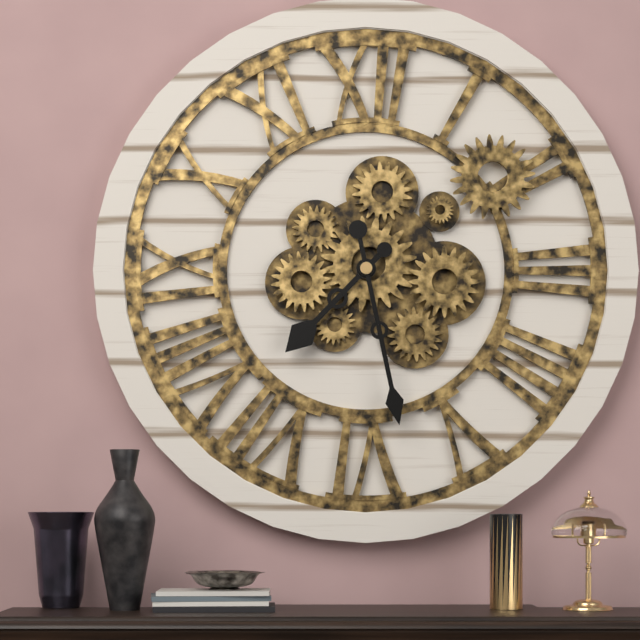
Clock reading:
{"hour": 7, "minute": 28}
